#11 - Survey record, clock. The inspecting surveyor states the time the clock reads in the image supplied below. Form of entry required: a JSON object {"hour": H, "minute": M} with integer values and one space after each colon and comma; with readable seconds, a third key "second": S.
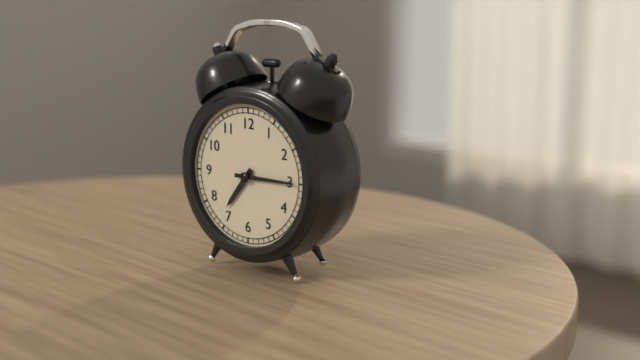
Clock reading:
{"hour": 7, "minute": 15}
